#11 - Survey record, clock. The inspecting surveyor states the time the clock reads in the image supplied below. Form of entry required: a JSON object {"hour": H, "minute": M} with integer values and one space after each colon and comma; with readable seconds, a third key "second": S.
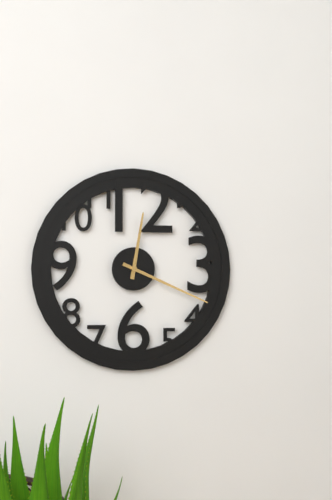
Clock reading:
{"hour": 12, "minute": 19}
